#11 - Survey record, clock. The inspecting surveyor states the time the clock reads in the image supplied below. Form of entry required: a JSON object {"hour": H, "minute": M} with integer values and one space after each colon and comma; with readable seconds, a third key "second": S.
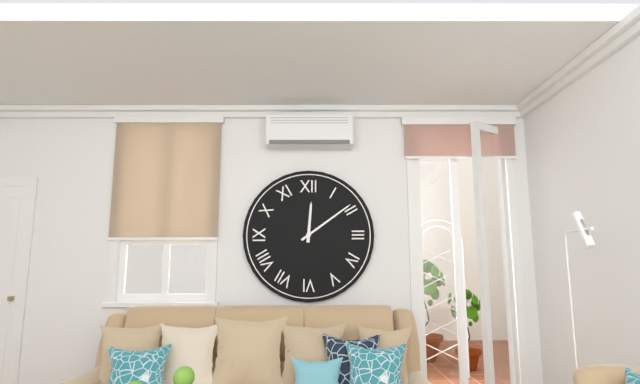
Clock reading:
{"hour": 12, "minute": 9}
